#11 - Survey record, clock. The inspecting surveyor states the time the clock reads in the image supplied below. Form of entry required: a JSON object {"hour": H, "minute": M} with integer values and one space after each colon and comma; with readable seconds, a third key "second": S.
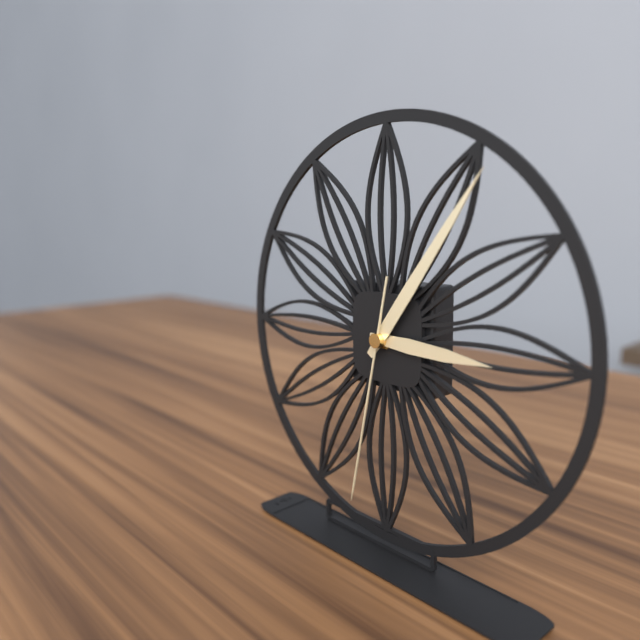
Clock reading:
{"hour": 3, "minute": 6, "second": 32}
